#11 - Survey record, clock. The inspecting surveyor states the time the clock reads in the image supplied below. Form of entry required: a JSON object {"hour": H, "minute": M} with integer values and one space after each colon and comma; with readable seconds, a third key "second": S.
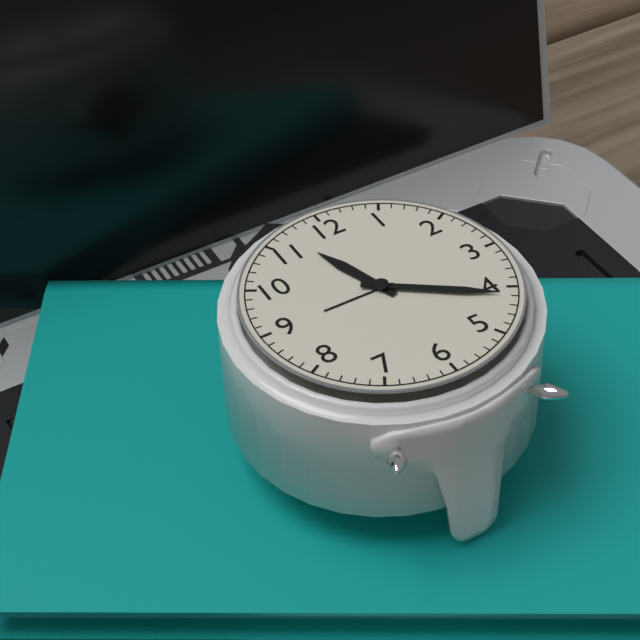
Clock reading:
{"hour": 11, "minute": 21}
